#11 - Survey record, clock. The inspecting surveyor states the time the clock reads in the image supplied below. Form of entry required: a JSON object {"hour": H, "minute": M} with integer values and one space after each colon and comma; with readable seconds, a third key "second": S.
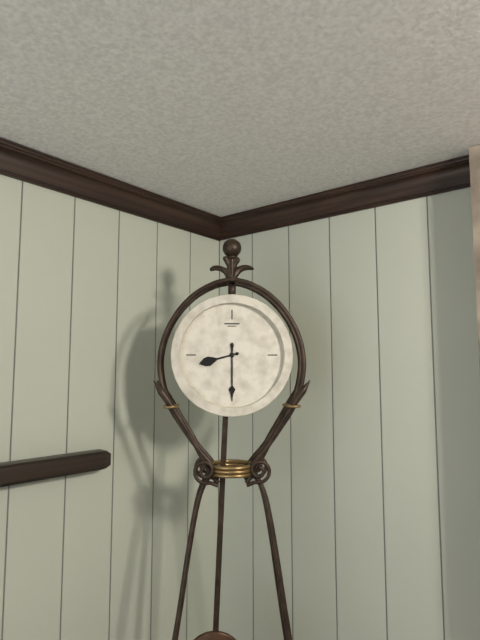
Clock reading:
{"hour": 8, "minute": 30}
